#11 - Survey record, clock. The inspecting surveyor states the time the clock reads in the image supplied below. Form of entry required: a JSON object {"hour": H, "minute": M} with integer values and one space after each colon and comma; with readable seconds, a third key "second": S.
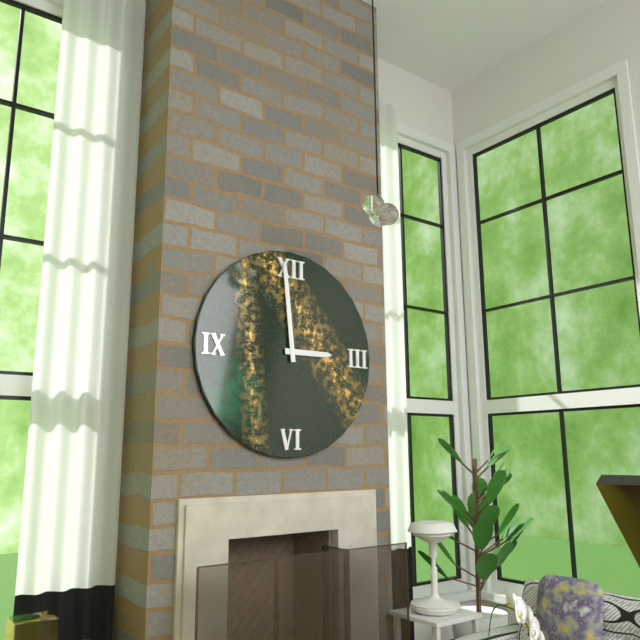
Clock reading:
{"hour": 2, "minute": 59}
